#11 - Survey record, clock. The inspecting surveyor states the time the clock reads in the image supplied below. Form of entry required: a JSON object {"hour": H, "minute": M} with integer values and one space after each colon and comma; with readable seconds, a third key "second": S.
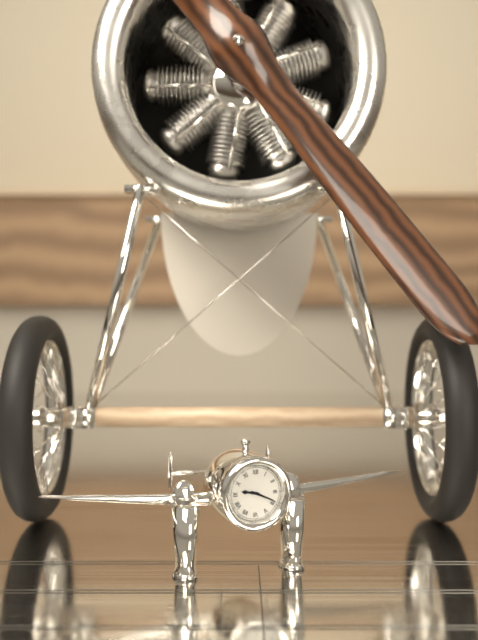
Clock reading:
{"hour": 9, "minute": 19}
